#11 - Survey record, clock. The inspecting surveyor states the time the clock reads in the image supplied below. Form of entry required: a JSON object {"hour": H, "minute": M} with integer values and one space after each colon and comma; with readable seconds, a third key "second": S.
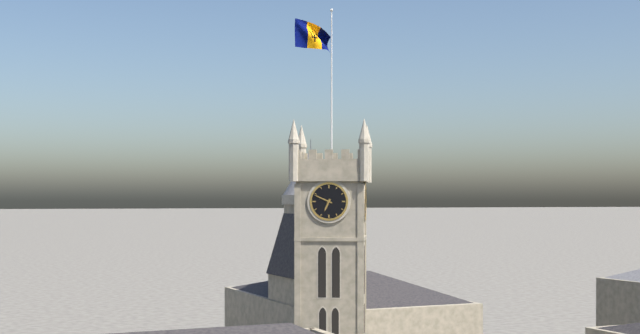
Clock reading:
{"hour": 6, "minute": 49}
